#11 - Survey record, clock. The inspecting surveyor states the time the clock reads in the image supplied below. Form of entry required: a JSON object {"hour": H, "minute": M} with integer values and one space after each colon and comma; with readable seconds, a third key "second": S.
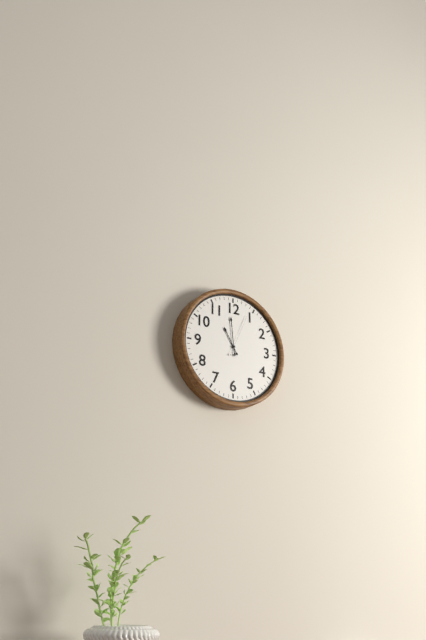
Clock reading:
{"hour": 10, "minute": 59}
